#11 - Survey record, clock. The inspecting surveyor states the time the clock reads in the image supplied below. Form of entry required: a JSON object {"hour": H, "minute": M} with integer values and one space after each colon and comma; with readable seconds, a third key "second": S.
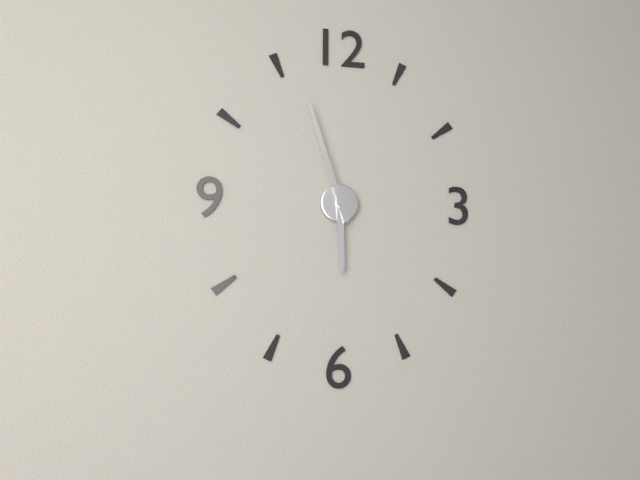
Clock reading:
{"hour": 5, "minute": 57}
